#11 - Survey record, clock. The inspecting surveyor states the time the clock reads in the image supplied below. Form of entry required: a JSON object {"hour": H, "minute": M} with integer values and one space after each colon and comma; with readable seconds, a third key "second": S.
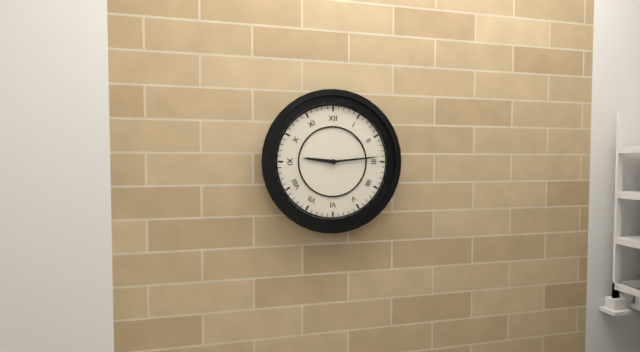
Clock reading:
{"hour": 9, "minute": 14}
